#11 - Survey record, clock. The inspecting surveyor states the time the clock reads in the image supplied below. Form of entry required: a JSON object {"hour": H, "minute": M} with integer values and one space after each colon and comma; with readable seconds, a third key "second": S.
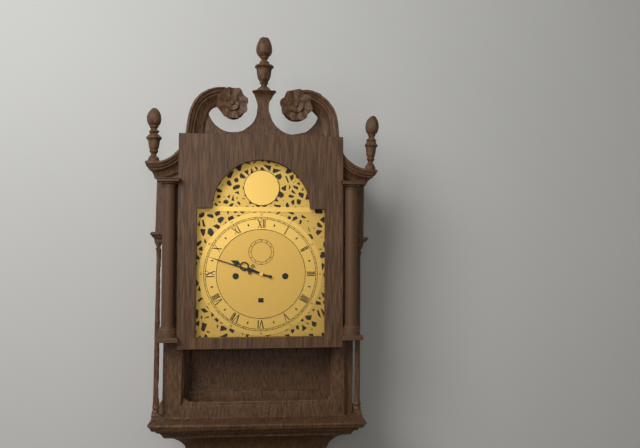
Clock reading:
{"hour": 9, "minute": 48}
